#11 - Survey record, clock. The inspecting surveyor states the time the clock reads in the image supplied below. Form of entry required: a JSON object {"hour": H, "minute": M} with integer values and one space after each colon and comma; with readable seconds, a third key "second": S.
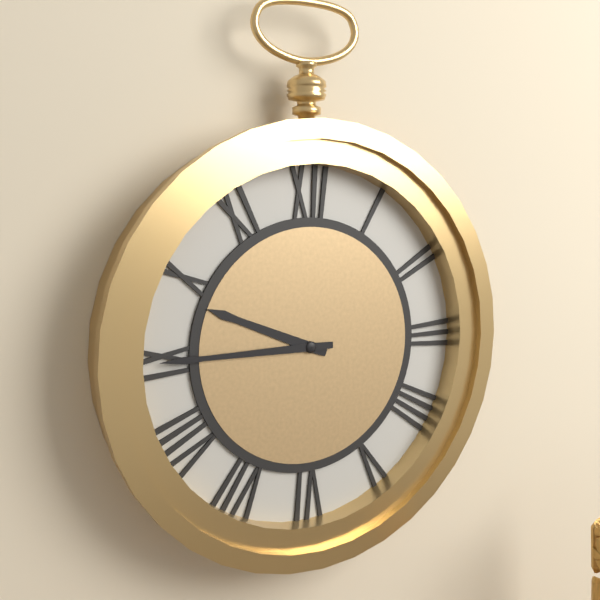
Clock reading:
{"hour": 9, "minute": 45}
